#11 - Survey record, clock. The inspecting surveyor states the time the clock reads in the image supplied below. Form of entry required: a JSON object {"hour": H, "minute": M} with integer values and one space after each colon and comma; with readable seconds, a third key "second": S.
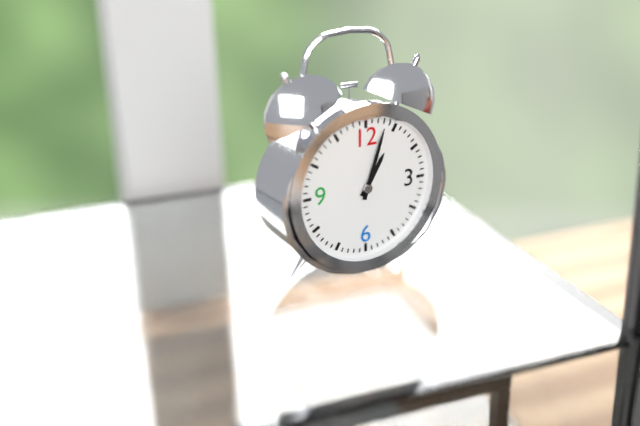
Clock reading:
{"hour": 1, "minute": 3}
